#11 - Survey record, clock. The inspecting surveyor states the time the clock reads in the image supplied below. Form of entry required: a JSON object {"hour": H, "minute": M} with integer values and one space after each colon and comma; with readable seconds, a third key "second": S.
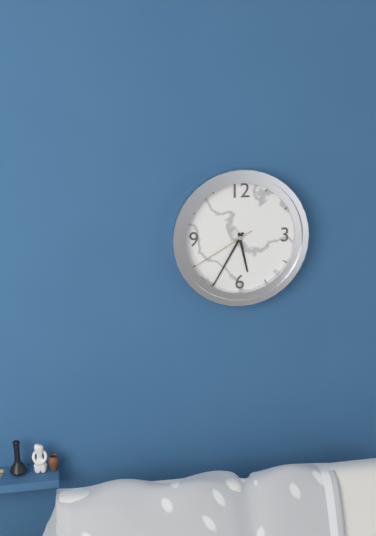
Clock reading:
{"hour": 5, "minute": 35, "second": 40}
